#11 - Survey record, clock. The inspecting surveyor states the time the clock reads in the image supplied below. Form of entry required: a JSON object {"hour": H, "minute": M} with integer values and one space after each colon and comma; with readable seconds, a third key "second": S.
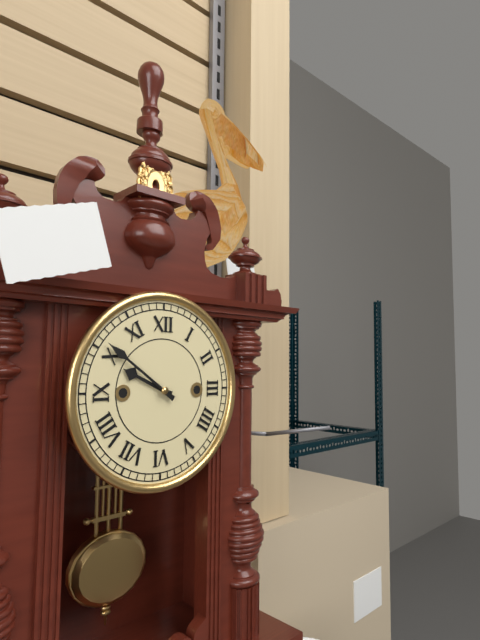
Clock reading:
{"hour": 9, "minute": 51}
